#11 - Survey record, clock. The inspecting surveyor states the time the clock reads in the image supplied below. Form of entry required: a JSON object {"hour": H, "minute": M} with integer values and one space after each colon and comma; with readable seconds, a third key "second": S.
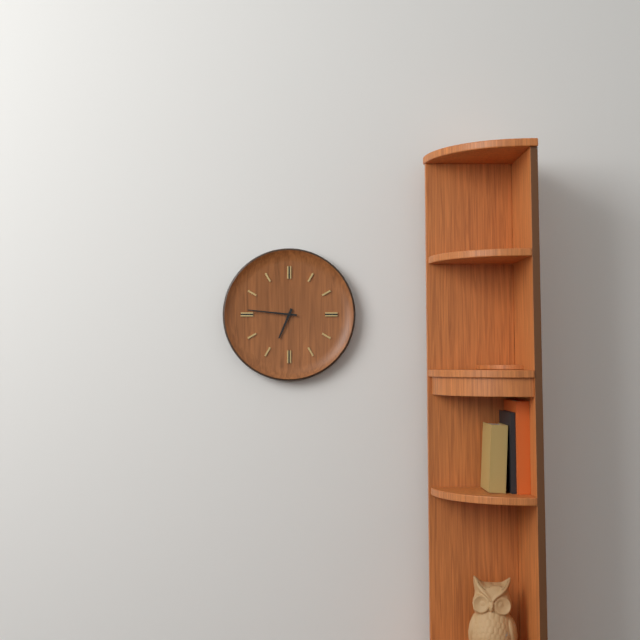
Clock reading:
{"hour": 6, "minute": 46}
